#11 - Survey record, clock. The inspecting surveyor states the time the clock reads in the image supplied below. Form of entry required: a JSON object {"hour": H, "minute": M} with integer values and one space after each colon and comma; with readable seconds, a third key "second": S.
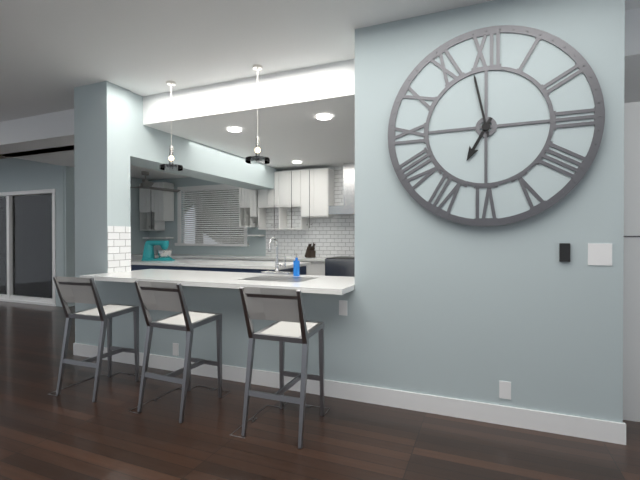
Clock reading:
{"hour": 6, "minute": 58}
